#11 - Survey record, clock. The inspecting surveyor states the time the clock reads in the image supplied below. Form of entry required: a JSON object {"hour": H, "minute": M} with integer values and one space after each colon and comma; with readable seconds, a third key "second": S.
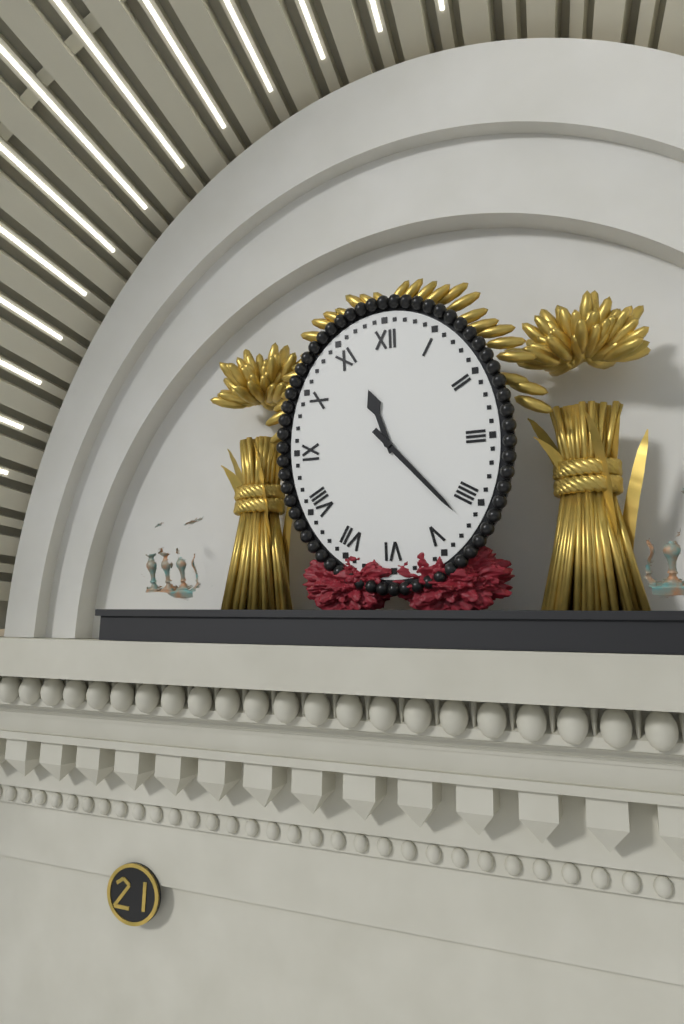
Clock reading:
{"hour": 11, "minute": 23}
